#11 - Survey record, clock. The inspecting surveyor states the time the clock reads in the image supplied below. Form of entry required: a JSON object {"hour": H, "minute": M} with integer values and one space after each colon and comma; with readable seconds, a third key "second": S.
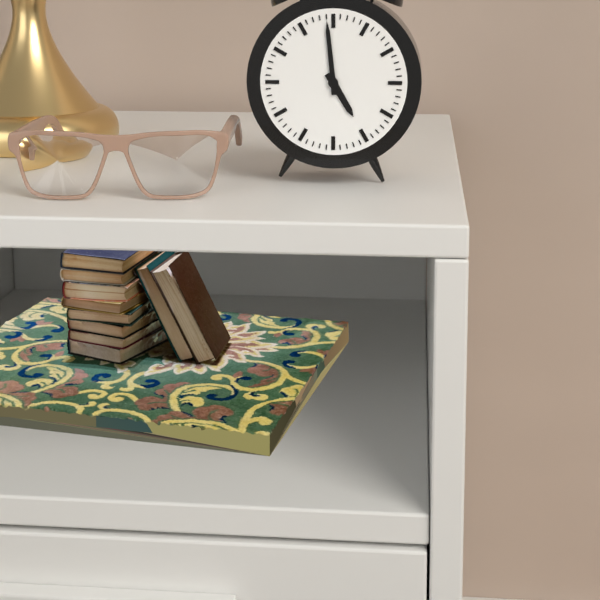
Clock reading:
{"hour": 4, "minute": 59}
